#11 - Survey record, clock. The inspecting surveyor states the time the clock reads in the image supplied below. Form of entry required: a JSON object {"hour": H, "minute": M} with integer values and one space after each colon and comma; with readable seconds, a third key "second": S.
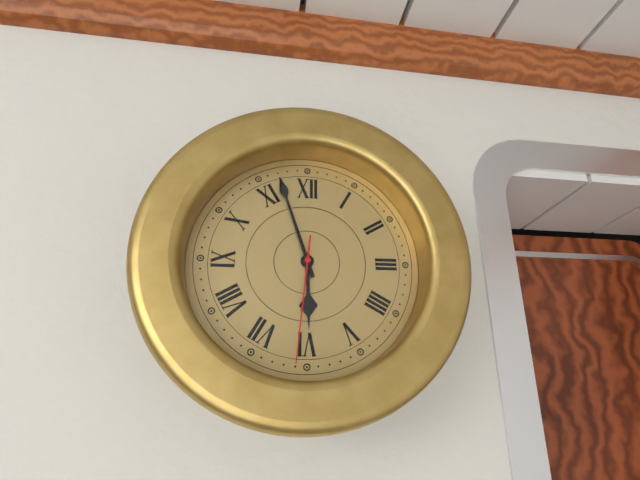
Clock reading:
{"hour": 5, "minute": 57, "second": 31}
